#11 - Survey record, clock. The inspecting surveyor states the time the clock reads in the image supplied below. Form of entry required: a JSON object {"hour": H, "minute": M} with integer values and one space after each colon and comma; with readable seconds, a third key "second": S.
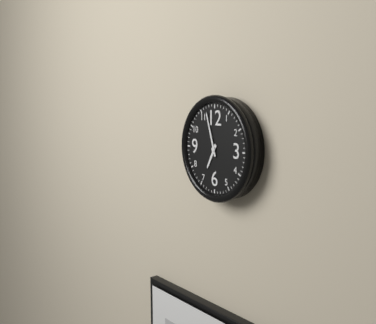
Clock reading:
{"hour": 6, "minute": 57}
